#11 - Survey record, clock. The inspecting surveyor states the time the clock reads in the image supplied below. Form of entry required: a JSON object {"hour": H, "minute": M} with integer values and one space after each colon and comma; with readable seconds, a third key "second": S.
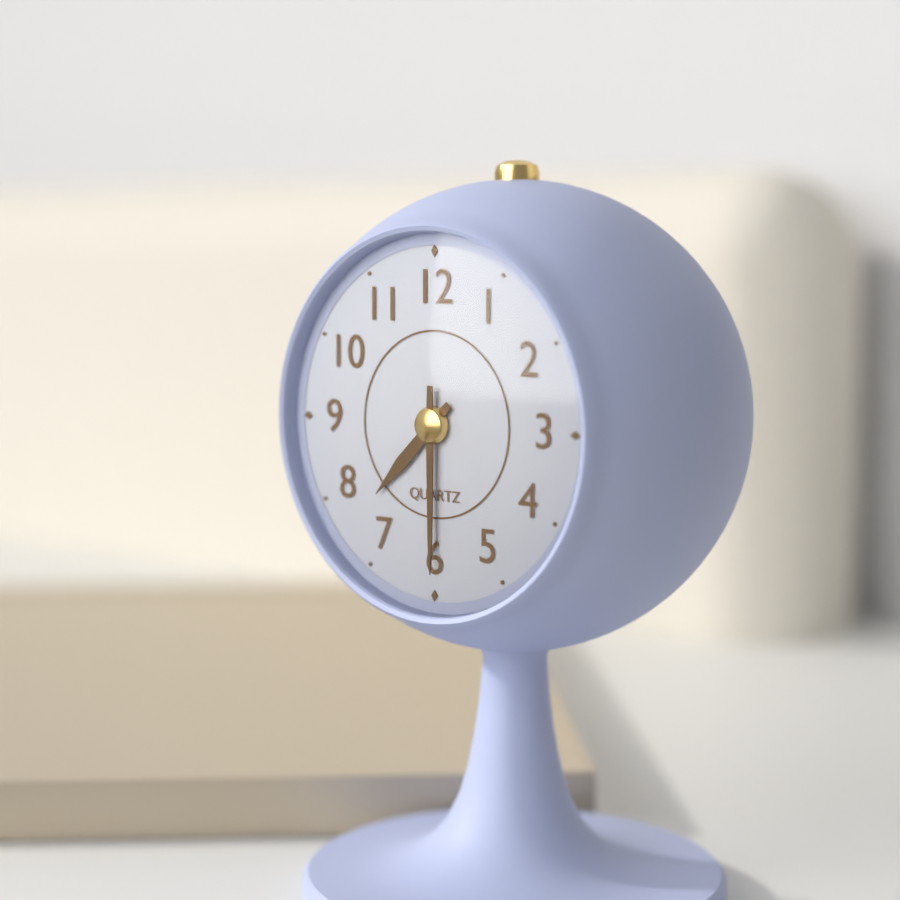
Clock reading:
{"hour": 7, "minute": 30}
